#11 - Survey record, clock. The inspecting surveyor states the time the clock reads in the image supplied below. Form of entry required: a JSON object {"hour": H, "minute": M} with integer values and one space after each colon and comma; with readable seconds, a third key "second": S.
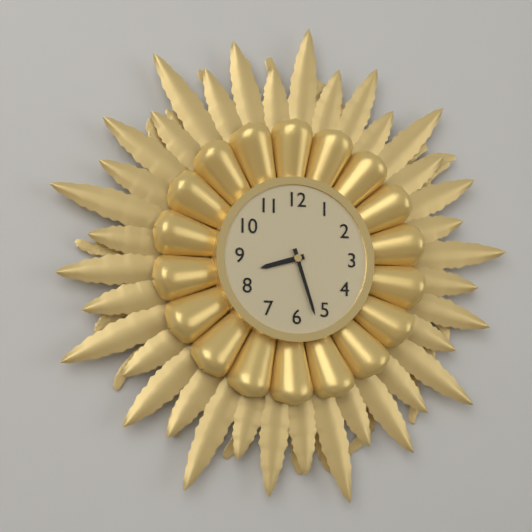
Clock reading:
{"hour": 8, "minute": 27}
